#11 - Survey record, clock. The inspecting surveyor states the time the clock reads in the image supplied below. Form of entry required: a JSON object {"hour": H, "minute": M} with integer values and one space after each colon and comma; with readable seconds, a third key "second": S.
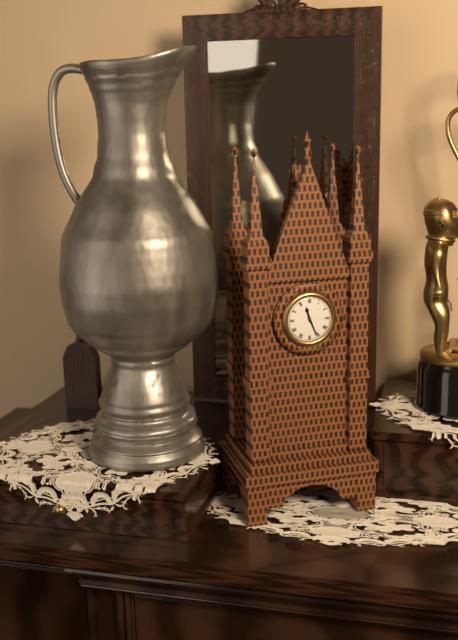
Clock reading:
{"hour": 11, "minute": 26}
